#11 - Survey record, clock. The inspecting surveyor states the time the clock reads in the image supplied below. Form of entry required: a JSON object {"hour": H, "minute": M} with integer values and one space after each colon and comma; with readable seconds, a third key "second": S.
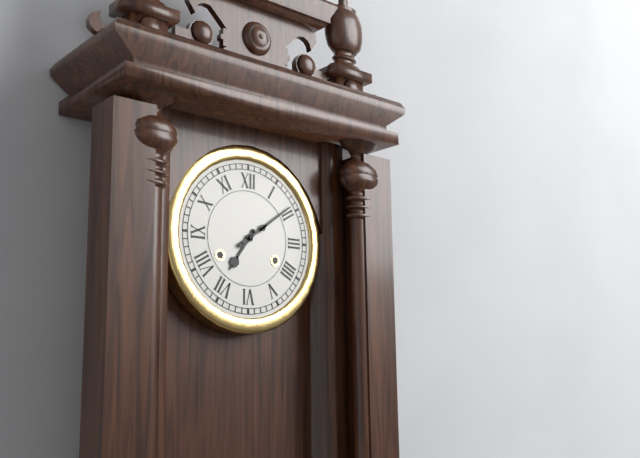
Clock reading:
{"hour": 7, "minute": 9}
